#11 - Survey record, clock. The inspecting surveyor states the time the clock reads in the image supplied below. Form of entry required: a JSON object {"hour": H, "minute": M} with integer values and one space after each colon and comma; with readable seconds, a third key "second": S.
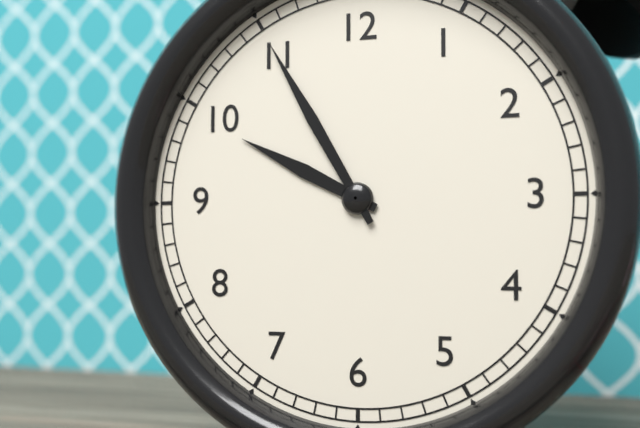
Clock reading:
{"hour": 9, "minute": 55}
